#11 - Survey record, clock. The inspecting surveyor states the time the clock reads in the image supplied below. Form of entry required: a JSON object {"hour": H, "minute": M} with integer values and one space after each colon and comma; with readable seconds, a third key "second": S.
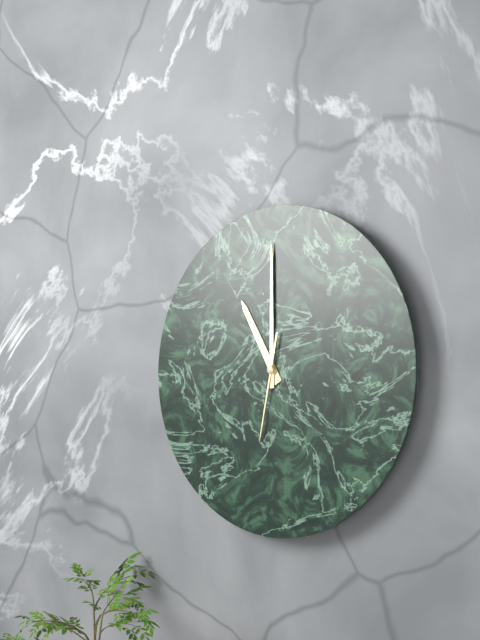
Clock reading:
{"hour": 11, "minute": 0, "second": 32}
